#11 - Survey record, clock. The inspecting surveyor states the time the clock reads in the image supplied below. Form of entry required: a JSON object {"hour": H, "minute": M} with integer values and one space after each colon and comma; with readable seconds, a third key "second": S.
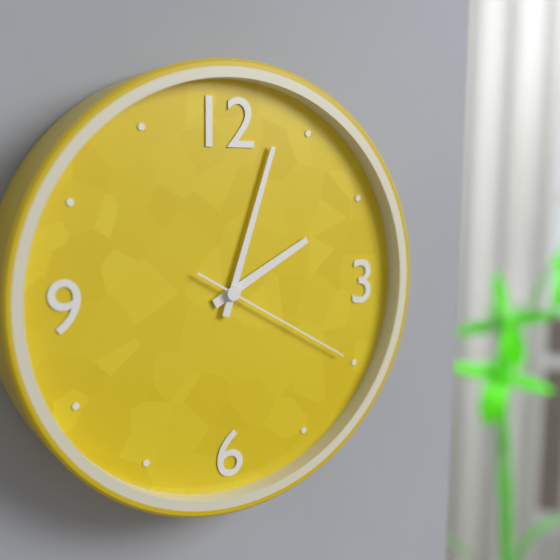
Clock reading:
{"hour": 2, "minute": 3, "second": 20}
